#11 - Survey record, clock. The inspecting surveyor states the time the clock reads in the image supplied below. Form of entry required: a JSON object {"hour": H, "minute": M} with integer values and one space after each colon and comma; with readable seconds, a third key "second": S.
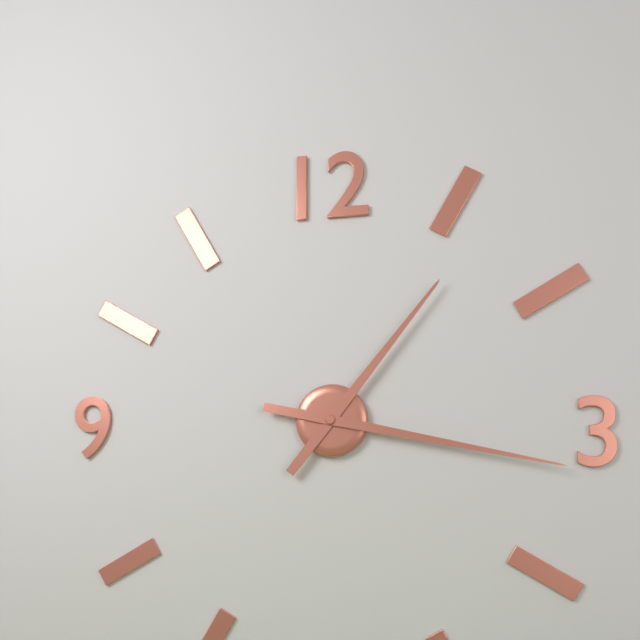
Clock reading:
{"hour": 1, "minute": 17}
